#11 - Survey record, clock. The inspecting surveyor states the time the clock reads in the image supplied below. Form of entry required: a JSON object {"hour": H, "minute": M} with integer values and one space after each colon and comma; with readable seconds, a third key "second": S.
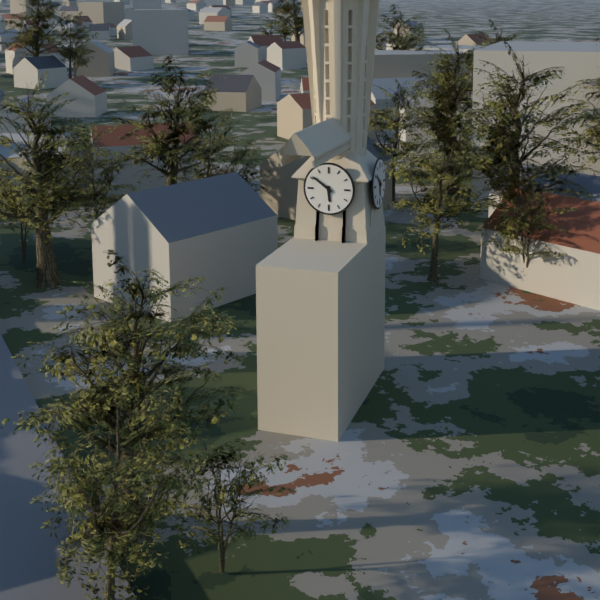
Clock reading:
{"hour": 5, "minute": 51}
